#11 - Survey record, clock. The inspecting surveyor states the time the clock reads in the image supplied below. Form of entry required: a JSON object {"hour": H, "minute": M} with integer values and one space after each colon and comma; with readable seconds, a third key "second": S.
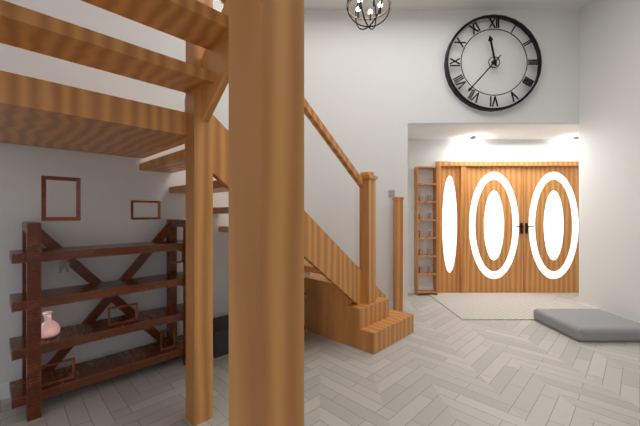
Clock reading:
{"hour": 11, "minute": 37}
